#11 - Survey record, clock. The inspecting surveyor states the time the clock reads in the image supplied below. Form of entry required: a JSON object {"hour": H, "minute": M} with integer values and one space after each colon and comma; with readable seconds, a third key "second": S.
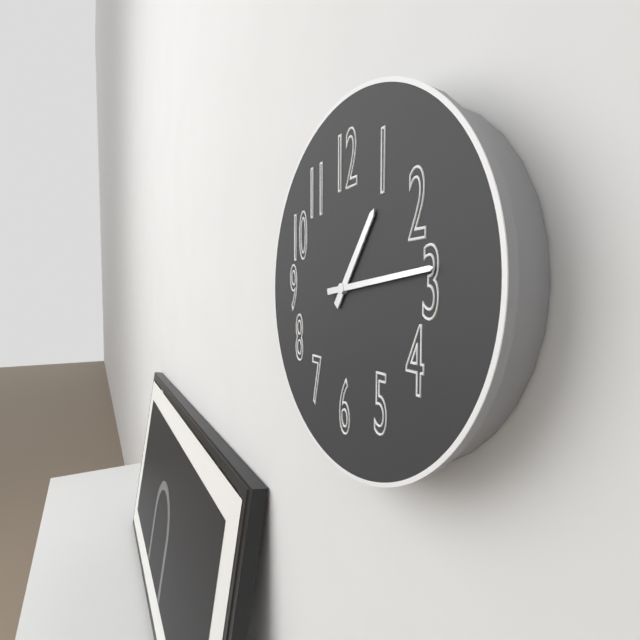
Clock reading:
{"hour": 1, "minute": 14}
